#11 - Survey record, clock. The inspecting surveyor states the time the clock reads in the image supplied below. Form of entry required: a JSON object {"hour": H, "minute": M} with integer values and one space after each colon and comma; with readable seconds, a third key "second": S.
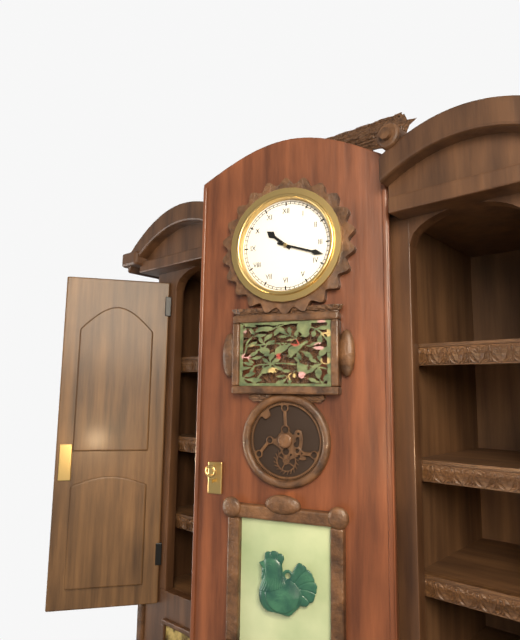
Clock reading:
{"hour": 10, "minute": 18}
